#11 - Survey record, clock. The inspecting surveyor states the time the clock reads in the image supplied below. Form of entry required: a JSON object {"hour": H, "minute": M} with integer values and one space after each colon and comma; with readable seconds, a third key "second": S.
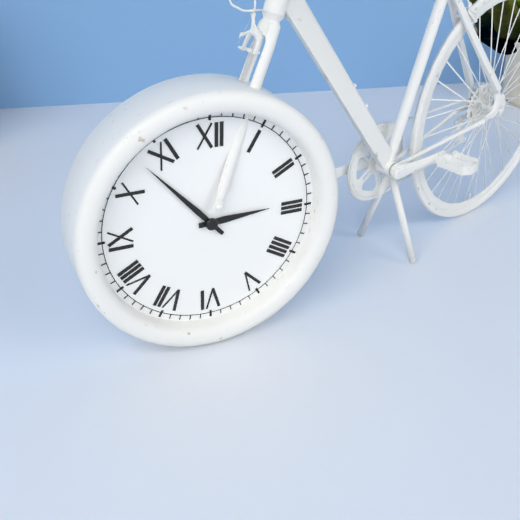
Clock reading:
{"hour": 2, "minute": 53}
